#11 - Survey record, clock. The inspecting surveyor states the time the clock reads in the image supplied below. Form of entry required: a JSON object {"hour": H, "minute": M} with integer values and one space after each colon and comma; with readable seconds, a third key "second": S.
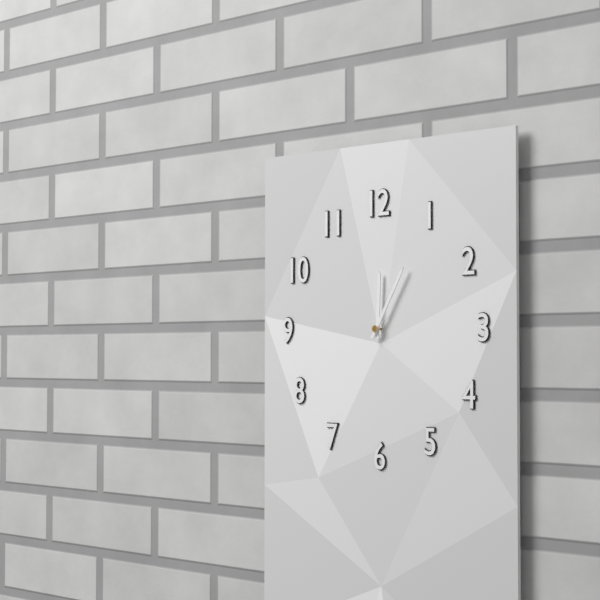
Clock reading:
{"hour": 12, "minute": 5}
